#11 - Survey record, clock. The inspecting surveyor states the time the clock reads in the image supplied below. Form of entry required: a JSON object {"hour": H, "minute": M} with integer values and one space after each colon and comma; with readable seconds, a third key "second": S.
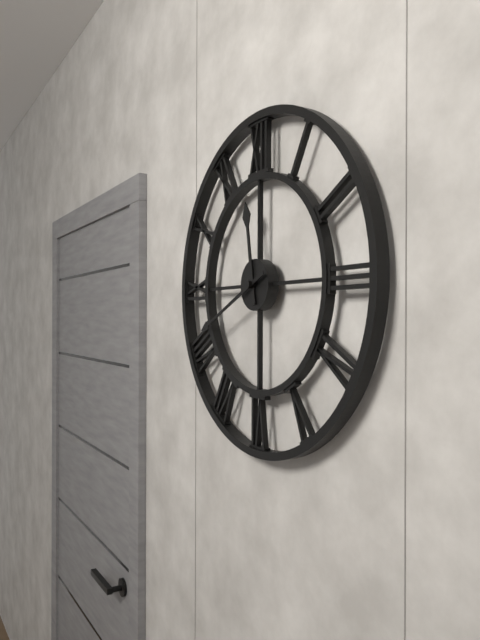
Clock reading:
{"hour": 11, "minute": 41}
